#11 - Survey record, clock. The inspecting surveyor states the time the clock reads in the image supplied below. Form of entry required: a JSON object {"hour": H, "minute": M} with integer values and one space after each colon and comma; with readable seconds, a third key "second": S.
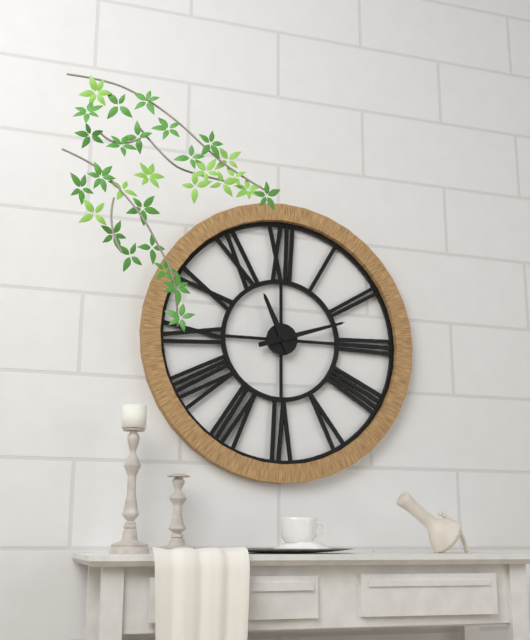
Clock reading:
{"hour": 11, "minute": 12}
